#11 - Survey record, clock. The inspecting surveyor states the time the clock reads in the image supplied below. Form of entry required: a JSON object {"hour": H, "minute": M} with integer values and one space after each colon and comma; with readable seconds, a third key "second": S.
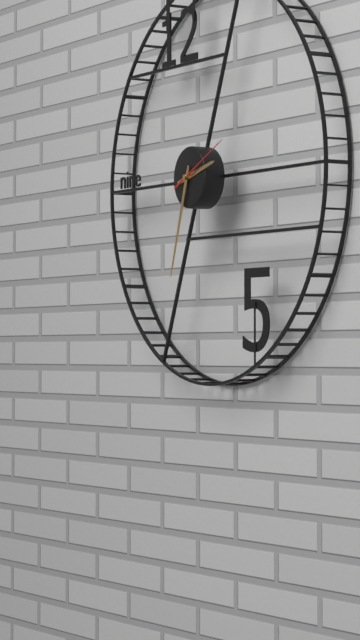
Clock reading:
{"hour": 2, "minute": 33, "second": 11}
